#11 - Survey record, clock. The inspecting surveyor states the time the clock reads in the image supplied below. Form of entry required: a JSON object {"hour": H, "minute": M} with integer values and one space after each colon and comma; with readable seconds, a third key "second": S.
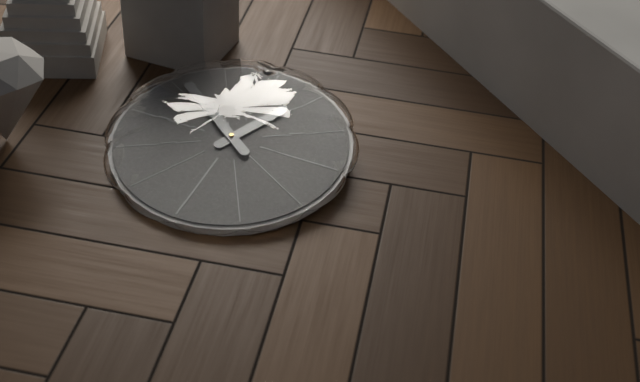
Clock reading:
{"hour": 12, "minute": 51}
